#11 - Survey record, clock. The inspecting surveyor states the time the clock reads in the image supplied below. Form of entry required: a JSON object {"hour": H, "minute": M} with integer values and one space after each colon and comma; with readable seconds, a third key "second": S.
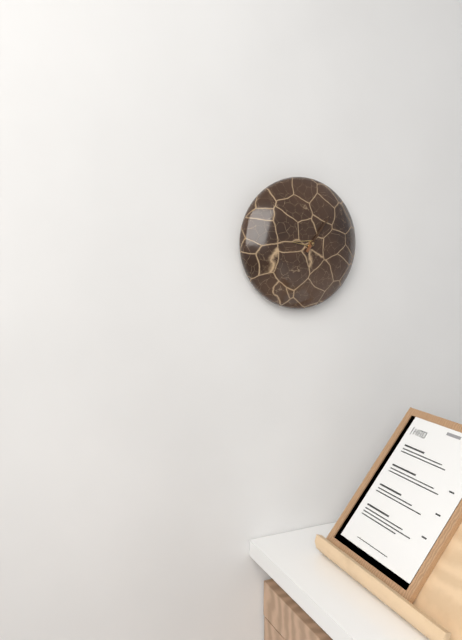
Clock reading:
{"hour": 9, "minute": 6}
